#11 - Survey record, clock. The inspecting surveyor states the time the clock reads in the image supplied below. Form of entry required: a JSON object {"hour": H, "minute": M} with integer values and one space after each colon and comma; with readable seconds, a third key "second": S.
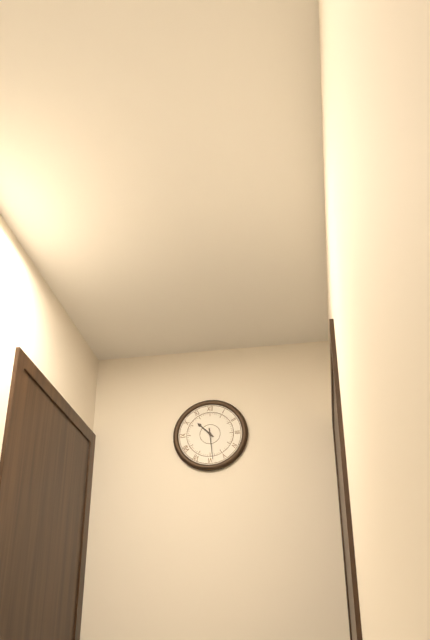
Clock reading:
{"hour": 10, "minute": 29}
